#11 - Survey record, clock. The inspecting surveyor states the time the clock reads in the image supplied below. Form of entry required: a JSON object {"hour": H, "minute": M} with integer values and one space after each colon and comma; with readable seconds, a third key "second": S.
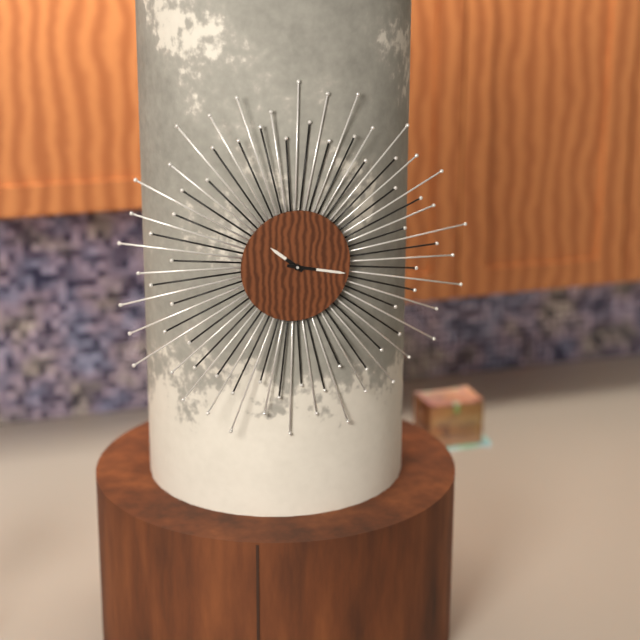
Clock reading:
{"hour": 10, "minute": 17}
